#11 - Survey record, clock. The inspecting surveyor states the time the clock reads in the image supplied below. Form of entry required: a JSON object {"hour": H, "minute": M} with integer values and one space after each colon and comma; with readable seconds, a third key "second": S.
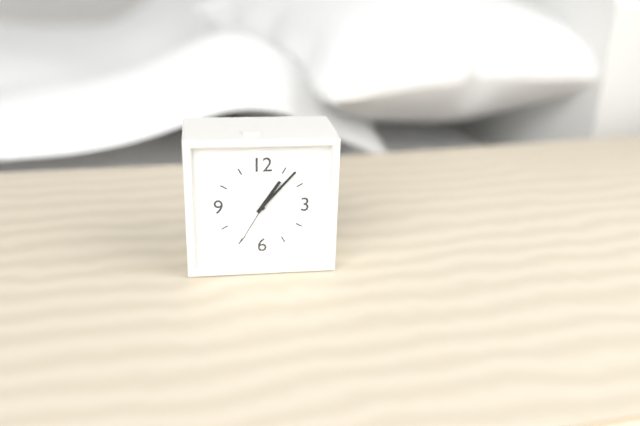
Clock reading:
{"hour": 1, "minute": 7}
